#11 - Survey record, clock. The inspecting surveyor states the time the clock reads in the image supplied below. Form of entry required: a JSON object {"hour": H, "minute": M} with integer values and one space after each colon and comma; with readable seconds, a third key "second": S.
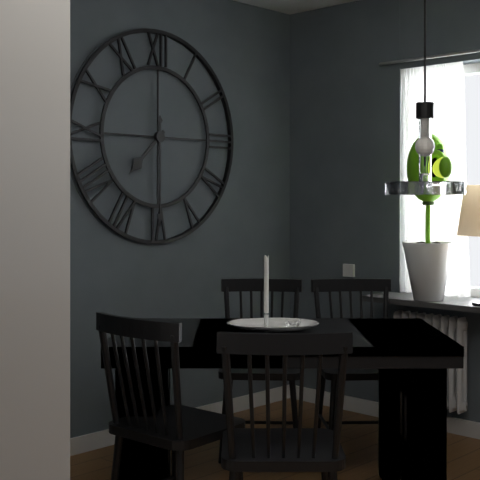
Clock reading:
{"hour": 7, "minute": 30}
